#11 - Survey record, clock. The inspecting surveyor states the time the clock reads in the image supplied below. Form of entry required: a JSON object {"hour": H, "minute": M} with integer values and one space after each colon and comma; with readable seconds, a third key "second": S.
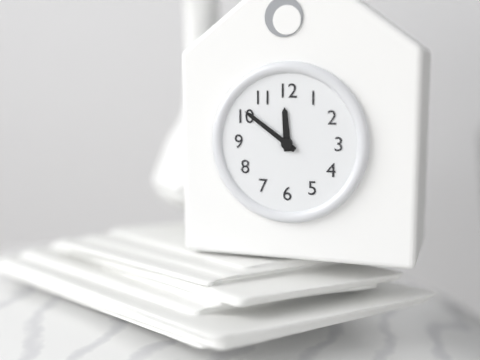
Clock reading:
{"hour": 11, "minute": 51}
